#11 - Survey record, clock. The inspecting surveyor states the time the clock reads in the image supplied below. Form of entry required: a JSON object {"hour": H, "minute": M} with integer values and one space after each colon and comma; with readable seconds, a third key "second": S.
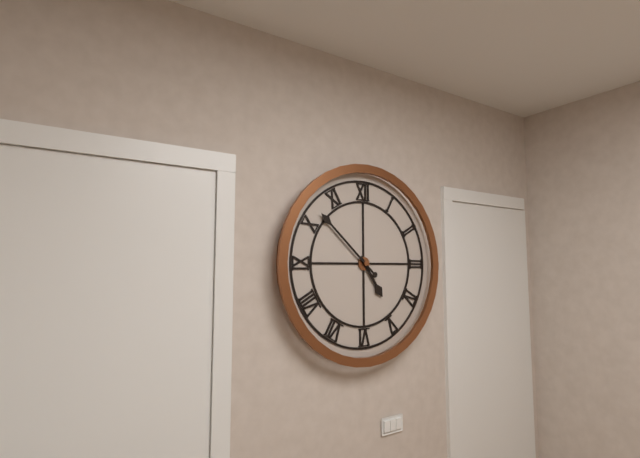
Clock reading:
{"hour": 4, "minute": 52}
